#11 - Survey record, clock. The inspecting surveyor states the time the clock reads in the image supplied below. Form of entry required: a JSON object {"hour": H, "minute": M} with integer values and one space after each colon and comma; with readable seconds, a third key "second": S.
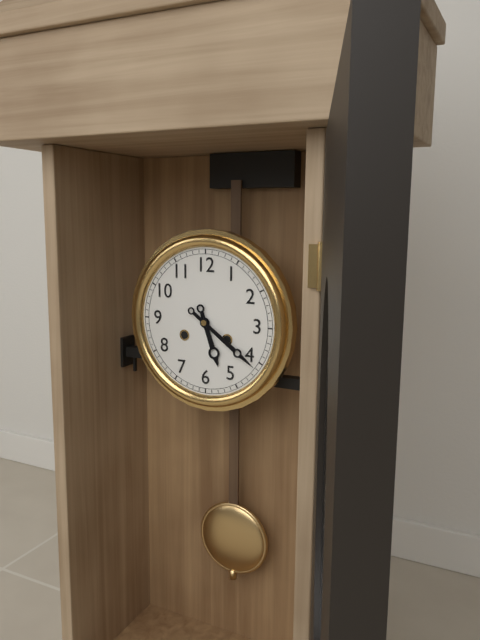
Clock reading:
{"hour": 5, "minute": 21}
